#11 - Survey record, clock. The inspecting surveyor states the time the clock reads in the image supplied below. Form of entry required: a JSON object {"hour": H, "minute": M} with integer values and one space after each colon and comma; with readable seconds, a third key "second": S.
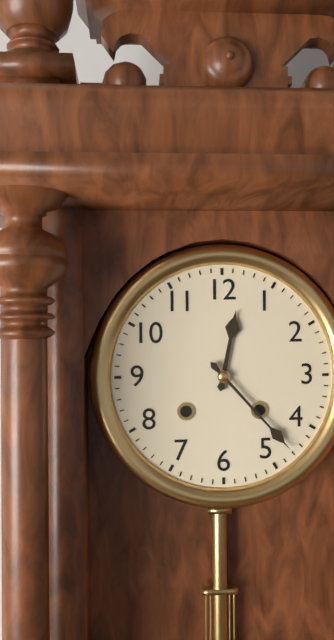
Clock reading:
{"hour": 12, "minute": 23}
